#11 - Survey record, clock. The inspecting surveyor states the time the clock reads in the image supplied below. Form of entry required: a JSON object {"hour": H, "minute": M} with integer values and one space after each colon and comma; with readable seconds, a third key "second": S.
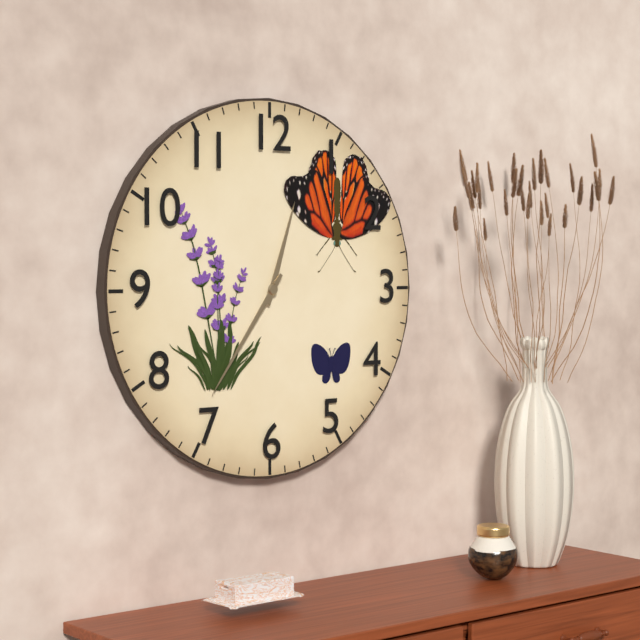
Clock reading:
{"hour": 12, "minute": 36}
